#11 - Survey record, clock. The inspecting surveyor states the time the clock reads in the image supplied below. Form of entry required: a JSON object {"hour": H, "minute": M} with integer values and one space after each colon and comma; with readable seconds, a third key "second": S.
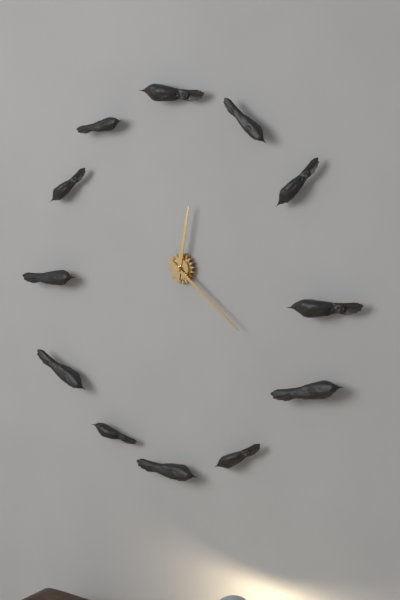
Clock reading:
{"hour": 12, "minute": 21}
